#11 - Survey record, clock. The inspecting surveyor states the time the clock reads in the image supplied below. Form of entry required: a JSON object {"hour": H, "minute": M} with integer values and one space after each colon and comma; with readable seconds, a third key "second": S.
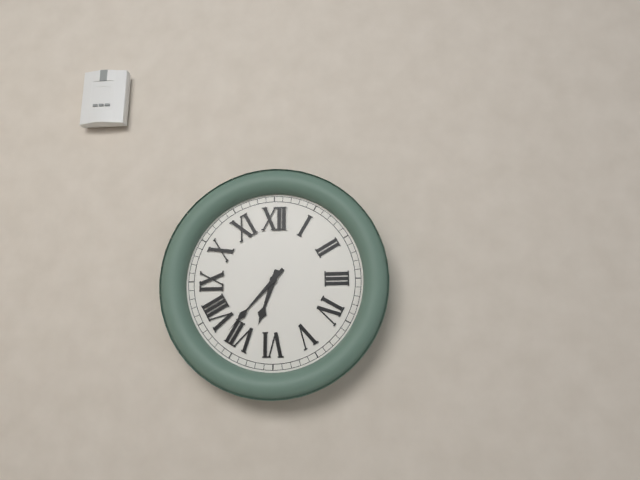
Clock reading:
{"hour": 6, "minute": 37}
